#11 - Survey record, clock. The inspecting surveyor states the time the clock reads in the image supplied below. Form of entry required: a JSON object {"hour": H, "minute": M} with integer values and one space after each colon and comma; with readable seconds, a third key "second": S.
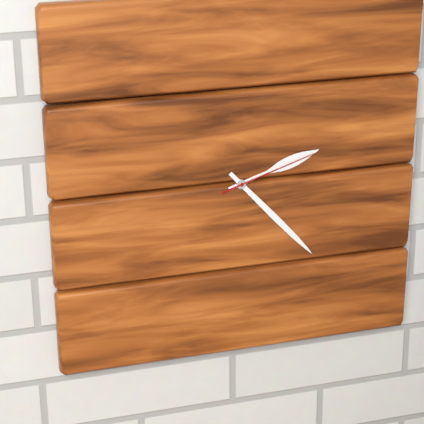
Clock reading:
{"hour": 2, "minute": 23, "second": 12}
